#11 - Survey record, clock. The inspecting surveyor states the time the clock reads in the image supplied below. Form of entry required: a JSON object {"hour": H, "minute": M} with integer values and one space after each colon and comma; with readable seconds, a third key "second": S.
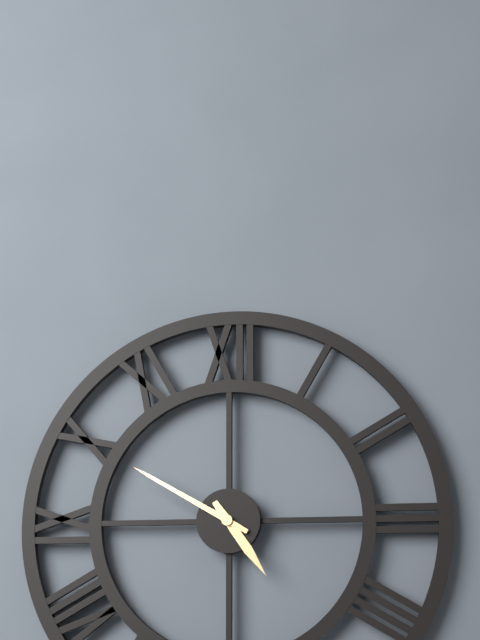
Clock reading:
{"hour": 4, "minute": 50}
